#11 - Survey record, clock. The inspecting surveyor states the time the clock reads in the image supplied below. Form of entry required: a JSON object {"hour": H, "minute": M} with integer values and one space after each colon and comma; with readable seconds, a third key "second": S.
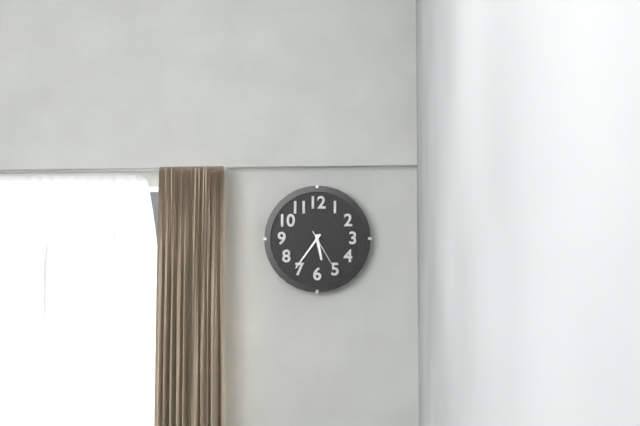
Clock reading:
{"hour": 5, "minute": 36}
